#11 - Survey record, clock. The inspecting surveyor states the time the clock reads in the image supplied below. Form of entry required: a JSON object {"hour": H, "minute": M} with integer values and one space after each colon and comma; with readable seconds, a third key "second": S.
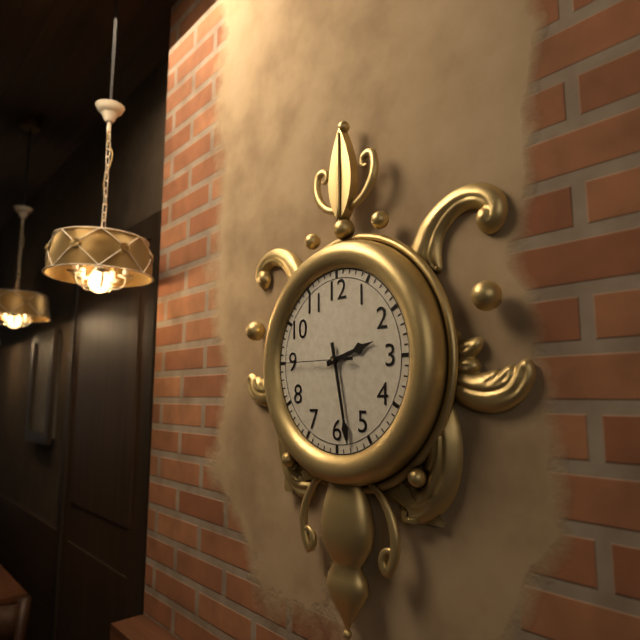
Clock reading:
{"hour": 2, "minute": 28, "second": 45}
